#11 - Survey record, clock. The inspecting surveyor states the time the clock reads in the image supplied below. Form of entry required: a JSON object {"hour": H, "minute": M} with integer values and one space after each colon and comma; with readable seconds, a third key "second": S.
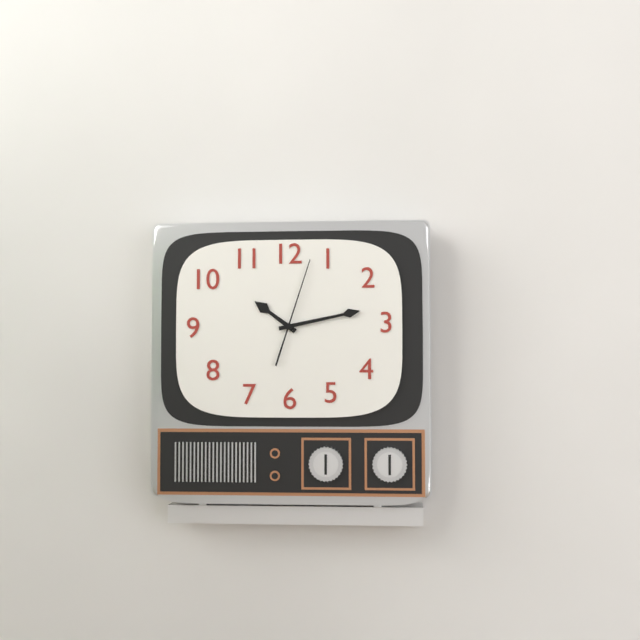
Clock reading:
{"hour": 10, "minute": 13, "second": 3}
